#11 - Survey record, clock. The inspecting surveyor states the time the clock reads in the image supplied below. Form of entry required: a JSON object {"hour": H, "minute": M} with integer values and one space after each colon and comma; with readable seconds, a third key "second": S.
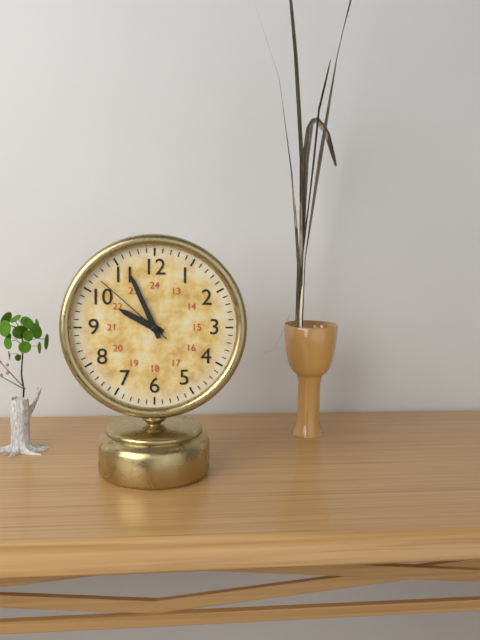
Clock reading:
{"hour": 9, "minute": 56, "second": 52}
